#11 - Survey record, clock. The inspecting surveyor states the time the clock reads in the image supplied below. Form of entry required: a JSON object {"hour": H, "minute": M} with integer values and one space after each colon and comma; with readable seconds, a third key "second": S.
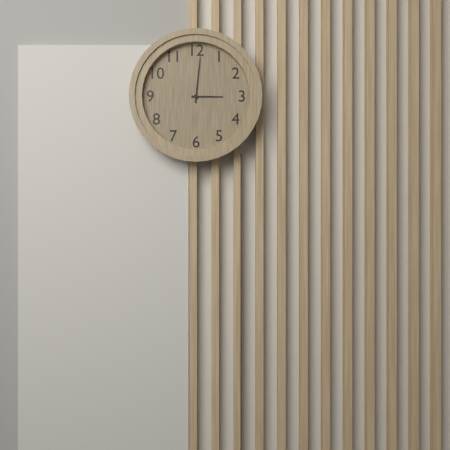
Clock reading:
{"hour": 3, "minute": 1}
